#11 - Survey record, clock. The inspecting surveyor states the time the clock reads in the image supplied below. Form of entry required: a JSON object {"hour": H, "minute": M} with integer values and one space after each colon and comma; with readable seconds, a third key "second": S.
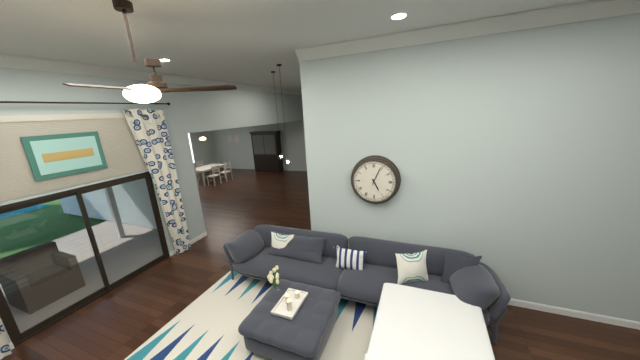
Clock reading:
{"hour": 5, "minute": 4}
